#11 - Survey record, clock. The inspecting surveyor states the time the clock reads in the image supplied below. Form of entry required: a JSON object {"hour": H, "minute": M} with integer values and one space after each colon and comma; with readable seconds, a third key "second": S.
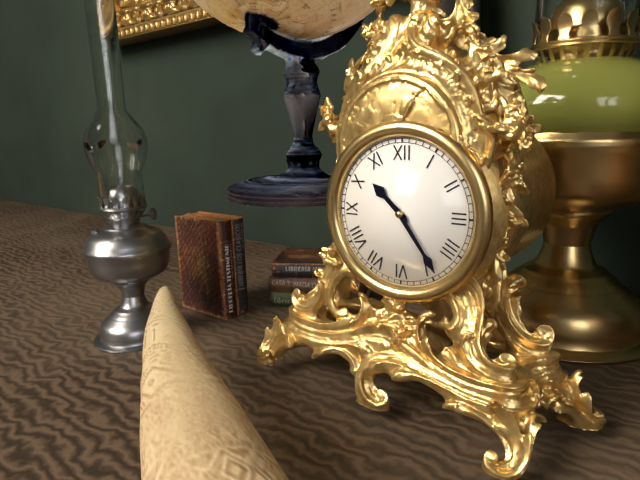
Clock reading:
{"hour": 10, "minute": 24}
